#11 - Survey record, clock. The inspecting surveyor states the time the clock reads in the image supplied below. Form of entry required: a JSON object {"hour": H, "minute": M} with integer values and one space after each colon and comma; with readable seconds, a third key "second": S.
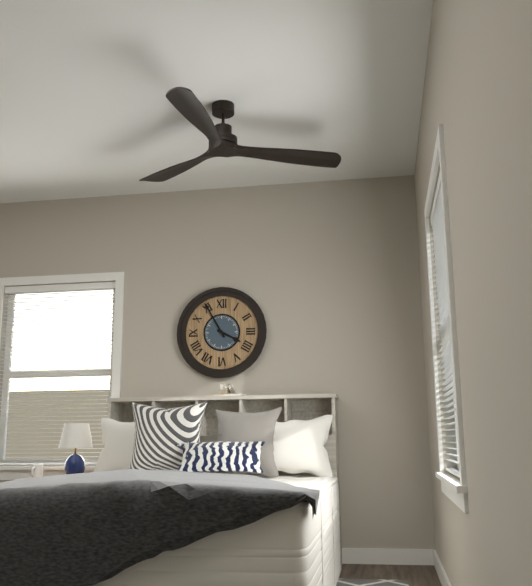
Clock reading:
{"hour": 3, "minute": 55}
